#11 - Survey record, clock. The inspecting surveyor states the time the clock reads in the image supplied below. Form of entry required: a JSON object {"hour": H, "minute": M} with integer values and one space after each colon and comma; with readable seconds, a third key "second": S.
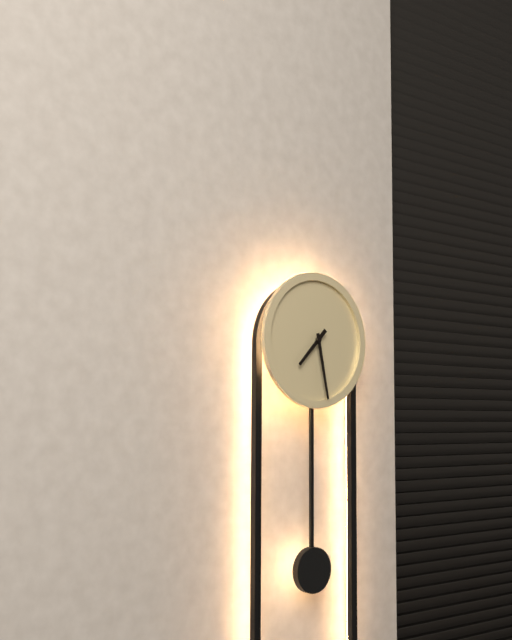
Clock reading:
{"hour": 7, "minute": 28}
